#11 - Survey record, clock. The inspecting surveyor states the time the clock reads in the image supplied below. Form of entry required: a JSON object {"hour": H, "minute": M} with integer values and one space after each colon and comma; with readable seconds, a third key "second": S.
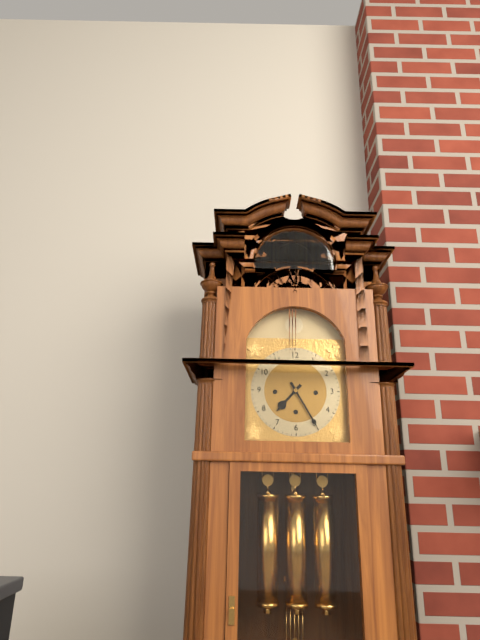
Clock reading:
{"hour": 7, "minute": 25}
